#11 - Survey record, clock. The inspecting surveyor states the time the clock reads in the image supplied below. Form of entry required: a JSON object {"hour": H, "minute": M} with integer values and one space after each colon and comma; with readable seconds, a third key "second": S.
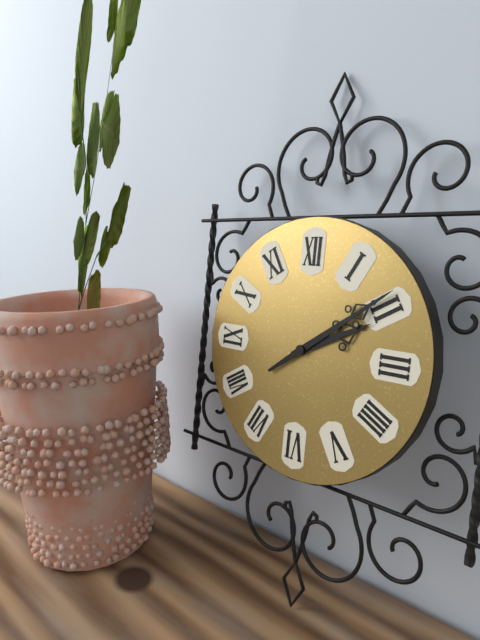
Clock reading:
{"hour": 2, "minute": 9}
